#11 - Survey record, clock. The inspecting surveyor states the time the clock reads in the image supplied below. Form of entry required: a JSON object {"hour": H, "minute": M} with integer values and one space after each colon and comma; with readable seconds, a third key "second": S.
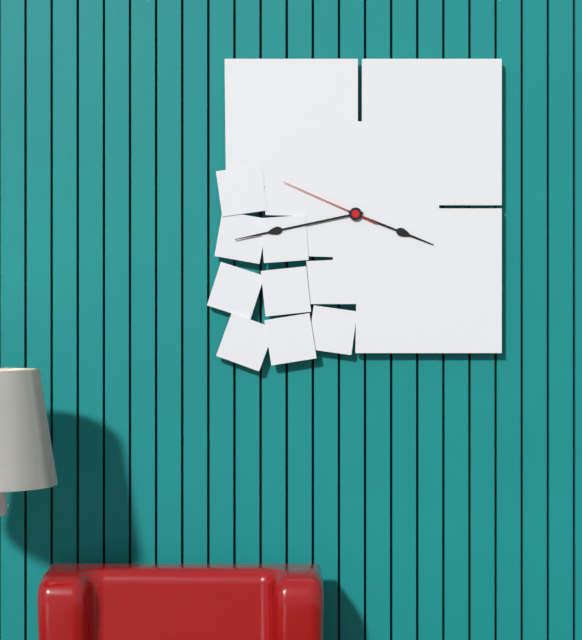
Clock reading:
{"hour": 3, "minute": 43, "second": 49}
